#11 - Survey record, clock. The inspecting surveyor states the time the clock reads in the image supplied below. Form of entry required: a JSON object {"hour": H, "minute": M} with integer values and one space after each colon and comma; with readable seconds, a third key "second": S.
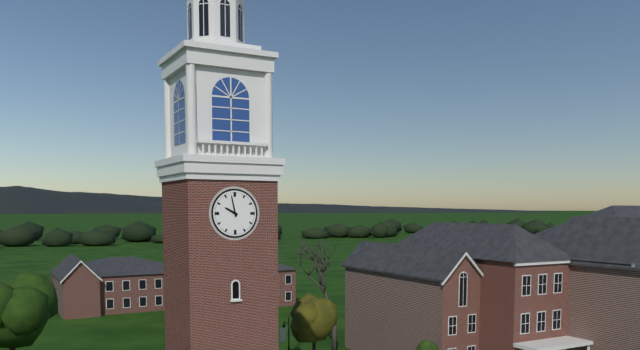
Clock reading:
{"hour": 9, "minute": 58}
